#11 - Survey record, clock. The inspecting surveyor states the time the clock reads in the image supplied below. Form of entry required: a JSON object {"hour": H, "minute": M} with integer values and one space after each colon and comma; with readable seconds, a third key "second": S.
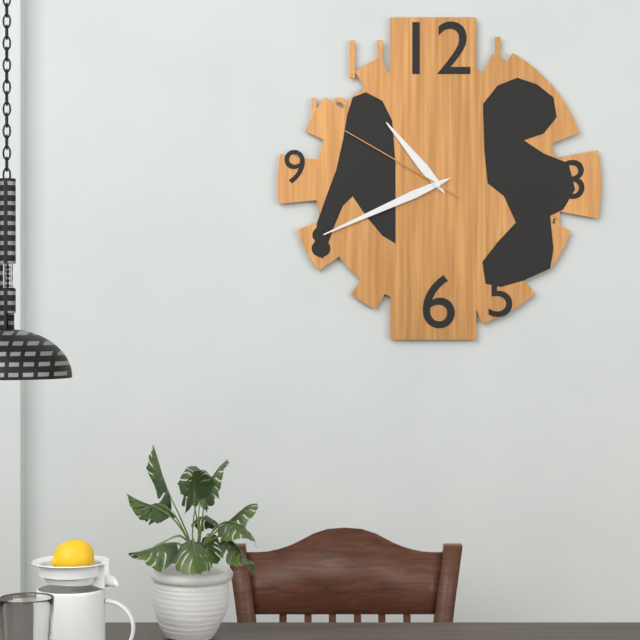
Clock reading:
{"hour": 10, "minute": 41, "second": 50}
